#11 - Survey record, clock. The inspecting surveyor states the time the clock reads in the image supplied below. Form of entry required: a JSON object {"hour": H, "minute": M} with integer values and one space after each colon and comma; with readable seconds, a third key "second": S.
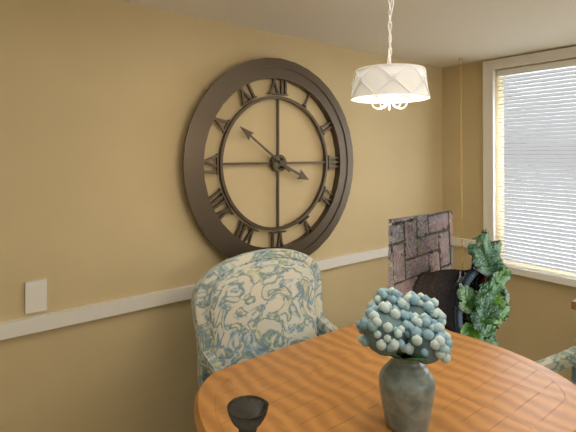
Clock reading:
{"hour": 3, "minute": 51}
